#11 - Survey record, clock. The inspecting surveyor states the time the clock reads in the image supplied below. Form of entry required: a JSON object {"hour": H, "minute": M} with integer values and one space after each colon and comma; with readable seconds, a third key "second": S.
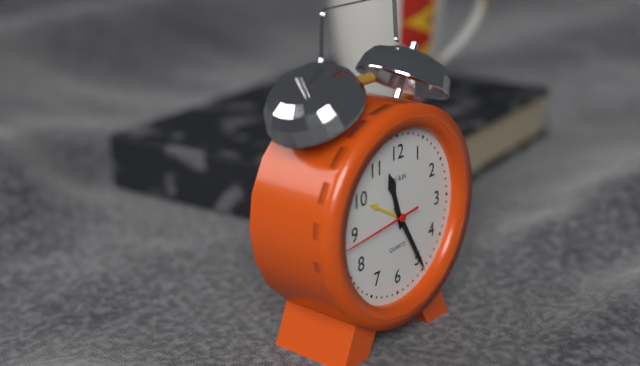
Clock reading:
{"hour": 11, "minute": 25, "second": 44}
